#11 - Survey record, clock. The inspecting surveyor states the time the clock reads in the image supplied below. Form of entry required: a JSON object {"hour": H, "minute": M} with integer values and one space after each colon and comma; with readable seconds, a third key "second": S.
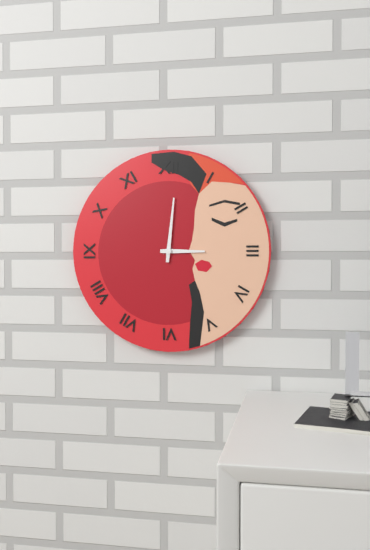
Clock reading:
{"hour": 3, "minute": 1}
